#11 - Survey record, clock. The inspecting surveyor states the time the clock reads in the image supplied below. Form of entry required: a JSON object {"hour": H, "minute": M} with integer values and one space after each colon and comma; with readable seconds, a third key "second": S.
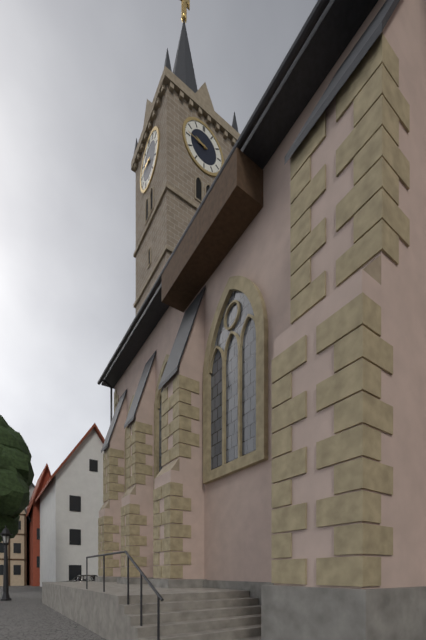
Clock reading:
{"hour": 9, "minute": 46}
